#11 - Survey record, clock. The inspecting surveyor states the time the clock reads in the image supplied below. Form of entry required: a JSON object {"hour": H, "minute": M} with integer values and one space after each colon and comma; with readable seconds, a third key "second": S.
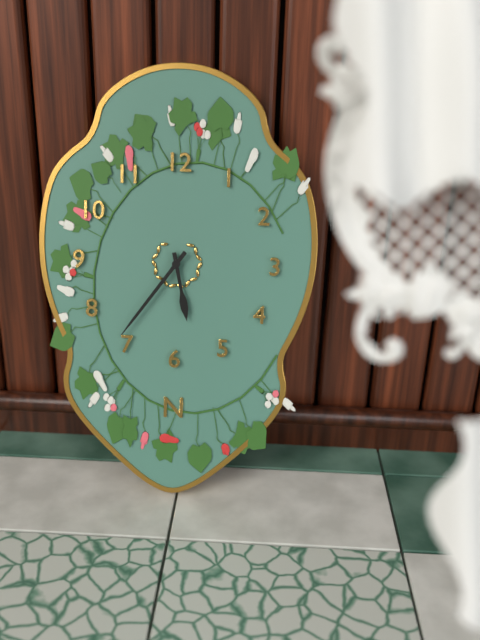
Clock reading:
{"hour": 5, "minute": 36}
